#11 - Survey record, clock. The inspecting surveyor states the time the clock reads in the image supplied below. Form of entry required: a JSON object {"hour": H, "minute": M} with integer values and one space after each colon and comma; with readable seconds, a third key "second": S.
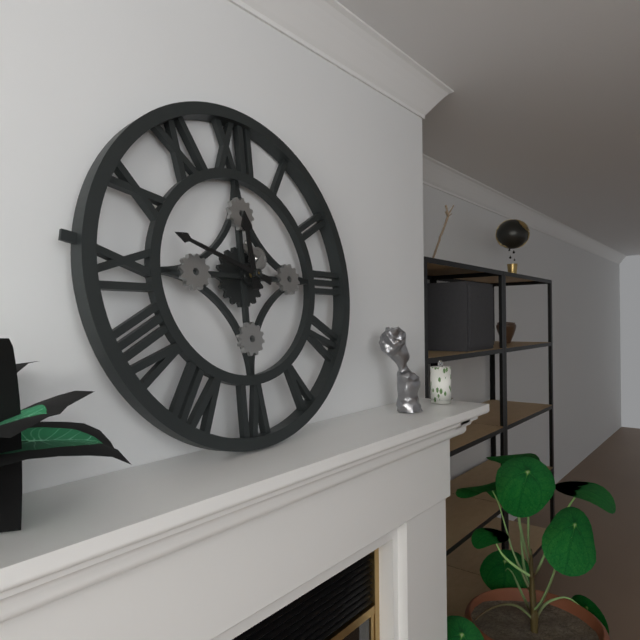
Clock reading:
{"hour": 11, "minute": 48}
